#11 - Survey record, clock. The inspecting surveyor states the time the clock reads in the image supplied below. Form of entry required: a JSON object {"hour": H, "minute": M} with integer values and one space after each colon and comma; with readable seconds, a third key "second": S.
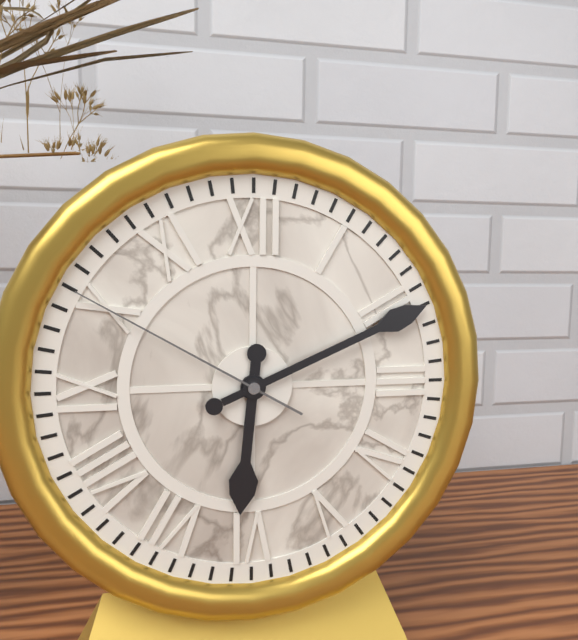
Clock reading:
{"hour": 6, "minute": 11, "second": 50}
